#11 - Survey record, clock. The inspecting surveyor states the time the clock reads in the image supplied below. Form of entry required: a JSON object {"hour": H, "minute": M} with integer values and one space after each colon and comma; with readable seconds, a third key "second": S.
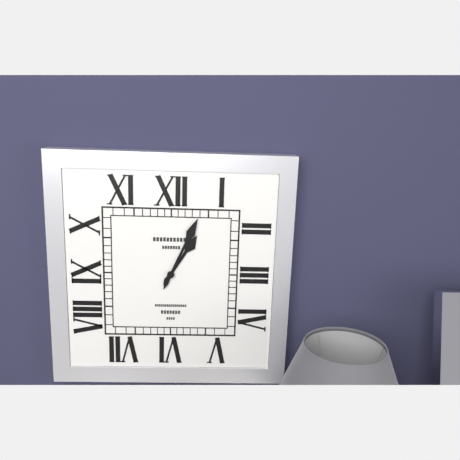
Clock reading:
{"hour": 1, "minute": 4}
